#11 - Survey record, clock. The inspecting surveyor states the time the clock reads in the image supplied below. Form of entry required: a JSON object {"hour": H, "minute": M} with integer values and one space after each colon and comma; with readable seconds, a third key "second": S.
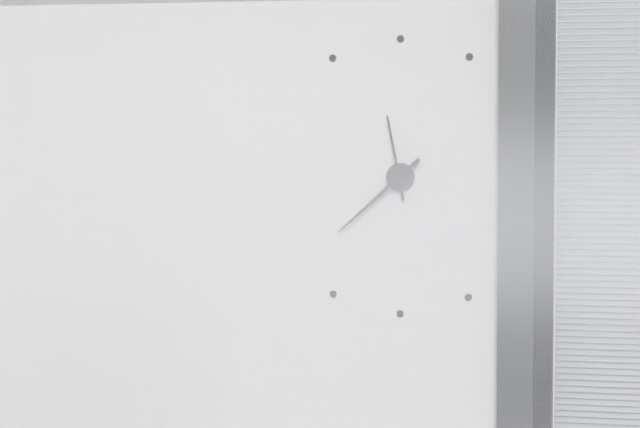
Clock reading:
{"hour": 11, "minute": 38}
